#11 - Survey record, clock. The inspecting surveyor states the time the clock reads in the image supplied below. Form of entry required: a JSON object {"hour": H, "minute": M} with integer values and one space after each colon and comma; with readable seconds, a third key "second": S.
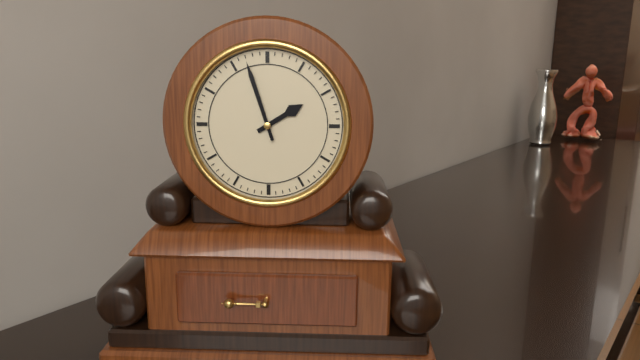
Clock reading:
{"hour": 1, "minute": 57}
